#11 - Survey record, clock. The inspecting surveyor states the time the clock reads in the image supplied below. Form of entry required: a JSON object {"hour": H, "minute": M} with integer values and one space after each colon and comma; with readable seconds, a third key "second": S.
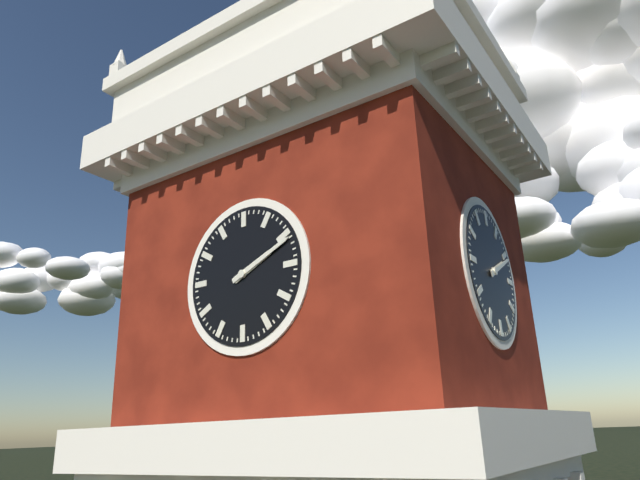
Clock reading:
{"hour": 2, "minute": 11}
